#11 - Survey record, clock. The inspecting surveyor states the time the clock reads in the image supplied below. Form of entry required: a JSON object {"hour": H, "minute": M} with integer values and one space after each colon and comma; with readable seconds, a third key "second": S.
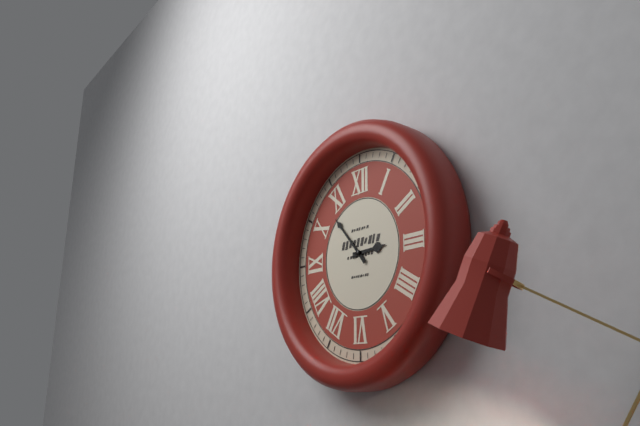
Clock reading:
{"hour": 2, "minute": 53}
